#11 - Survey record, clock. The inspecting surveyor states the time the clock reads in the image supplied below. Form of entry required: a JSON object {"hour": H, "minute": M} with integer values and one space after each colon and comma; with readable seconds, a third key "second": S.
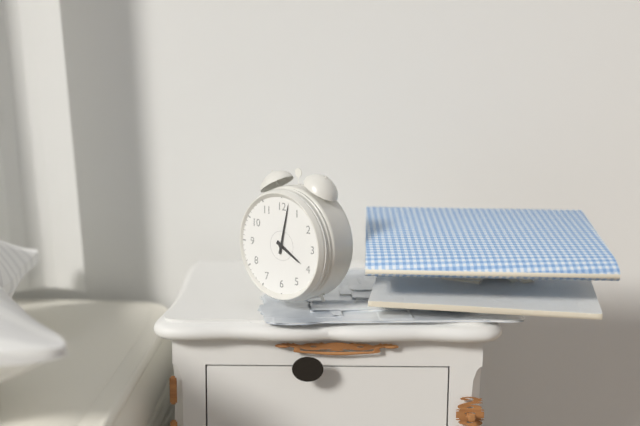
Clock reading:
{"hour": 4, "minute": 2}
